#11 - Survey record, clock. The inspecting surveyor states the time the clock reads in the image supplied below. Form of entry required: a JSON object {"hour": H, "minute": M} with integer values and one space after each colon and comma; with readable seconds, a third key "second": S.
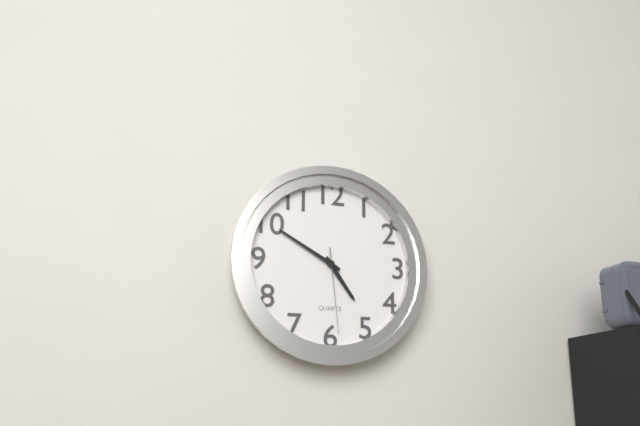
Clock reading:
{"hour": 4, "minute": 50, "second": 29}
